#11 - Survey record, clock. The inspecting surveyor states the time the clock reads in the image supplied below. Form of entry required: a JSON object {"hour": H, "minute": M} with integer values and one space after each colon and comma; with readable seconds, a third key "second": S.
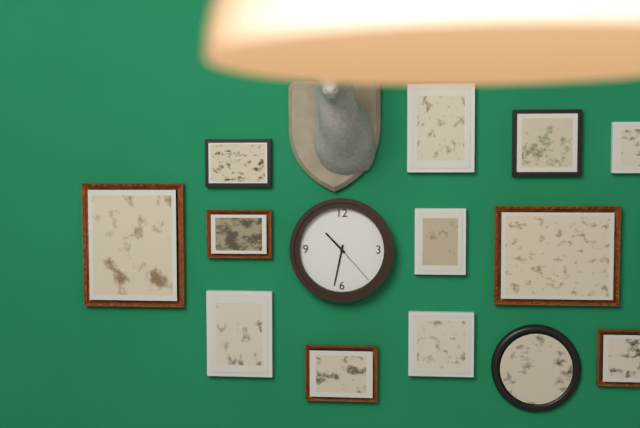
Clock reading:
{"hour": 10, "minute": 32, "second": 23}
